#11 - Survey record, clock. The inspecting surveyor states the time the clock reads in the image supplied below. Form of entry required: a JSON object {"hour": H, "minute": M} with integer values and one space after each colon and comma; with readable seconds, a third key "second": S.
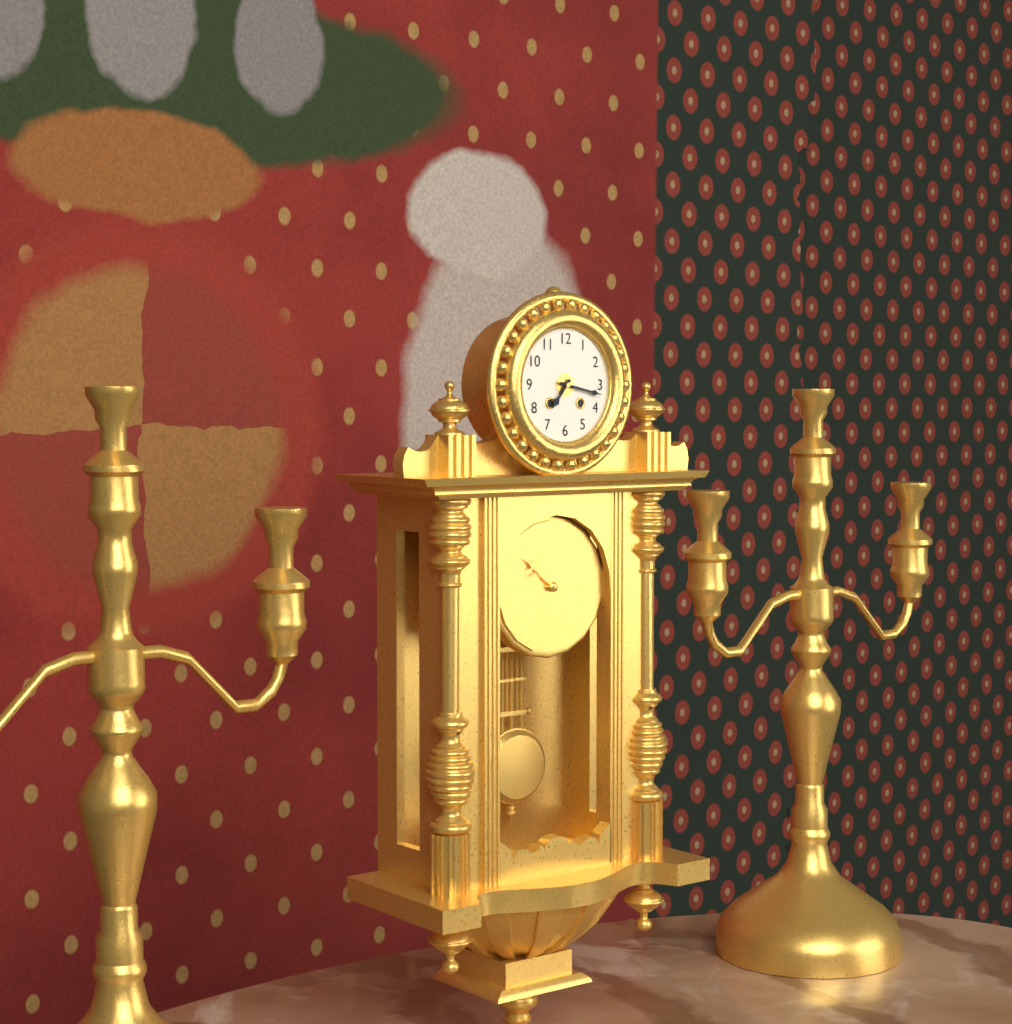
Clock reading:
{"hour": 7, "minute": 17}
